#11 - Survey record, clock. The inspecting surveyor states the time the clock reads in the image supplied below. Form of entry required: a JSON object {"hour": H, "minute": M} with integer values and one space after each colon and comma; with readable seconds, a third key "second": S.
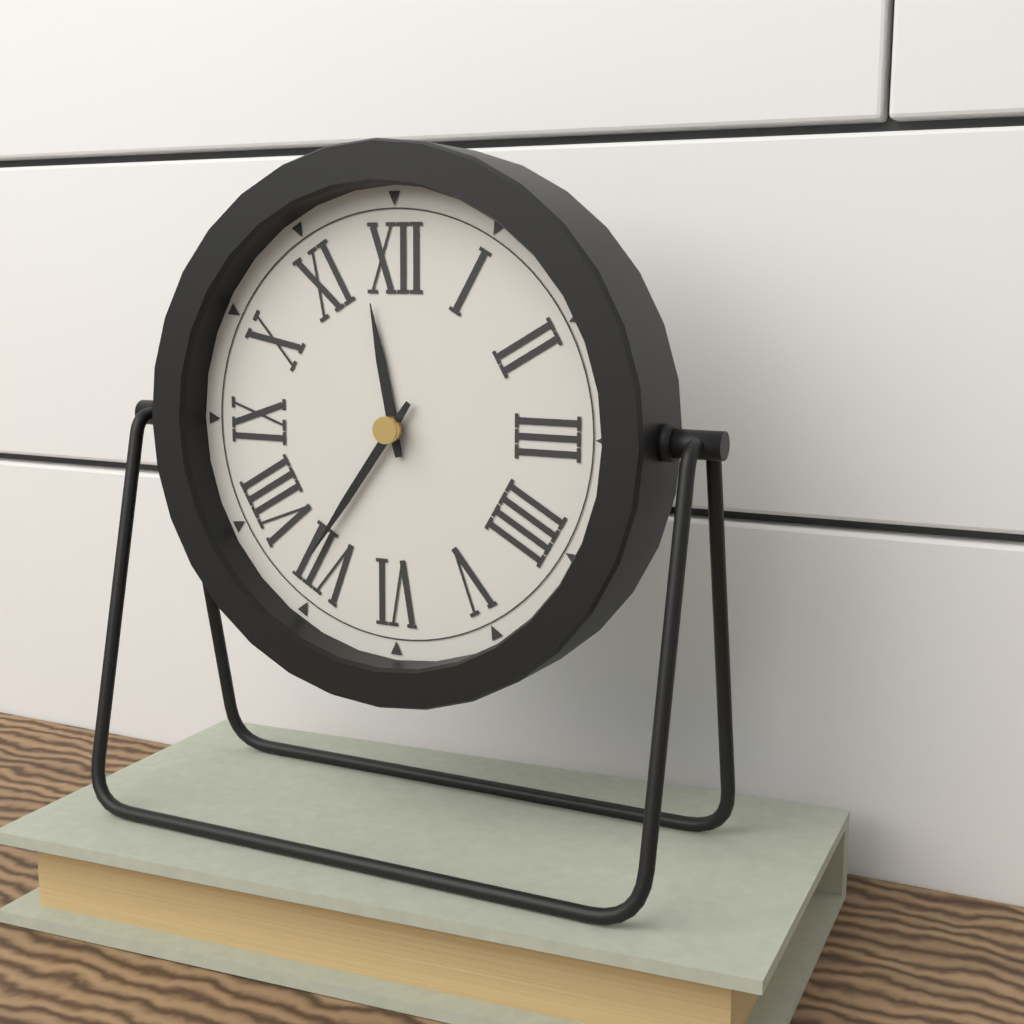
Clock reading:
{"hour": 11, "minute": 36}
